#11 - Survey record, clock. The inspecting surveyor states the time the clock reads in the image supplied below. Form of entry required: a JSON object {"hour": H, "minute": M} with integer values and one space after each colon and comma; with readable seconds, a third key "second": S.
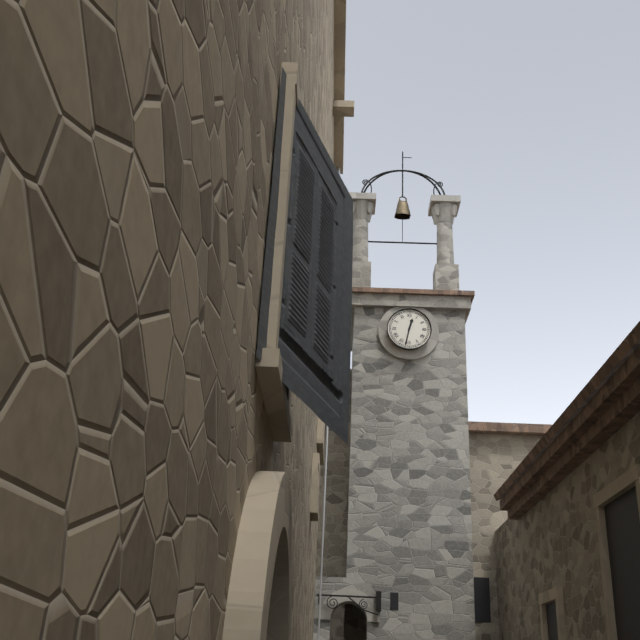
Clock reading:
{"hour": 12, "minute": 32}
